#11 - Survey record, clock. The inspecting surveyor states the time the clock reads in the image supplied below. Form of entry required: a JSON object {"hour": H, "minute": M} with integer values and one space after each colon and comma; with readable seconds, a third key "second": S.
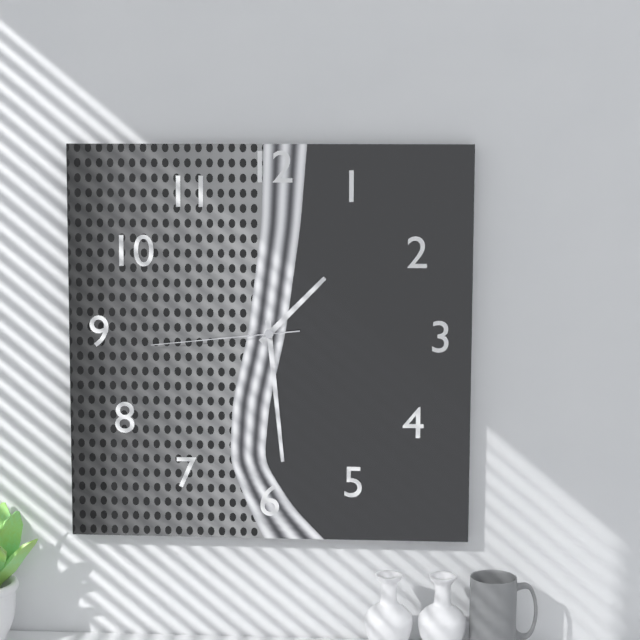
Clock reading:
{"hour": 1, "minute": 29, "second": 44}
